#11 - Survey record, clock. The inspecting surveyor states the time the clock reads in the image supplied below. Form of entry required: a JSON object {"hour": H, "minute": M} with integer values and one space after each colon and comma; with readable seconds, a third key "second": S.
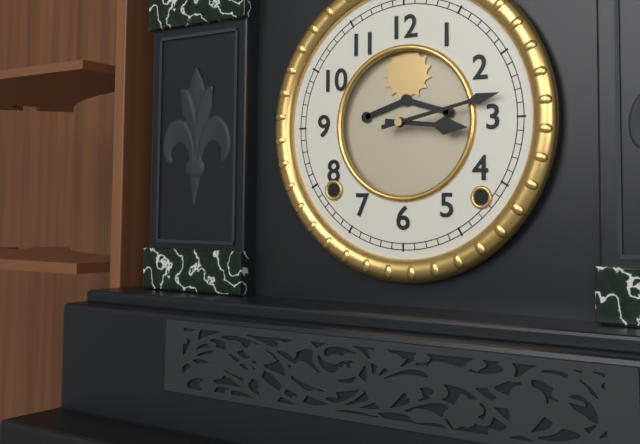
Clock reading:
{"hour": 3, "minute": 13}
